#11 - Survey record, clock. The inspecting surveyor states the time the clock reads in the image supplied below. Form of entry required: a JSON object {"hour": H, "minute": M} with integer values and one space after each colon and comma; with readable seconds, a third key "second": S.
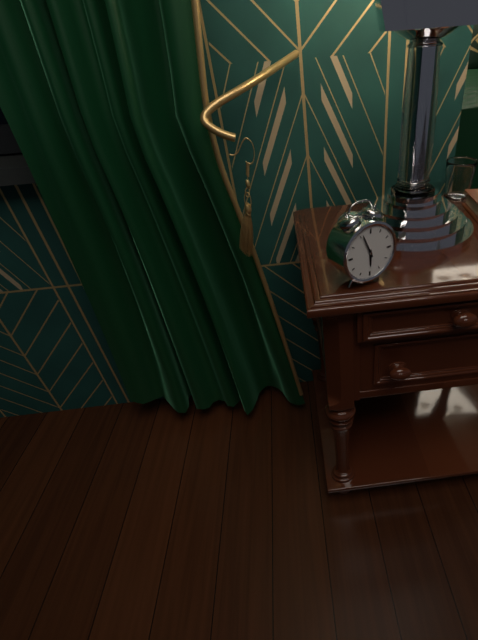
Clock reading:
{"hour": 5, "minute": 56}
